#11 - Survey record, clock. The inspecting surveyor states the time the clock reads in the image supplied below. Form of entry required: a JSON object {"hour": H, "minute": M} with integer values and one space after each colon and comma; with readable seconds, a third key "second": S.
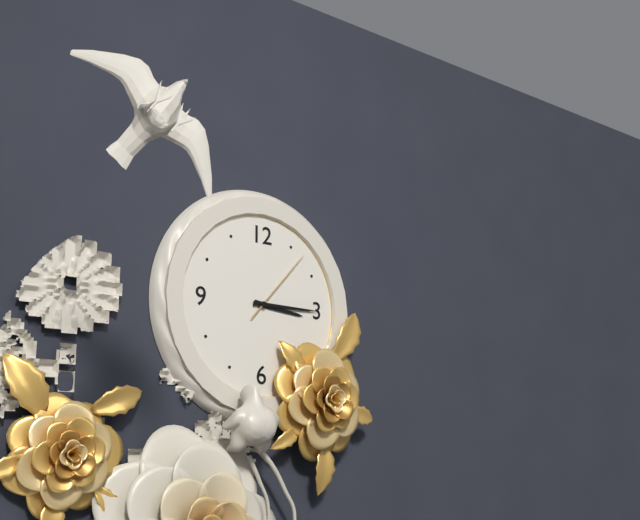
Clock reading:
{"hour": 3, "minute": 15, "second": 7}
